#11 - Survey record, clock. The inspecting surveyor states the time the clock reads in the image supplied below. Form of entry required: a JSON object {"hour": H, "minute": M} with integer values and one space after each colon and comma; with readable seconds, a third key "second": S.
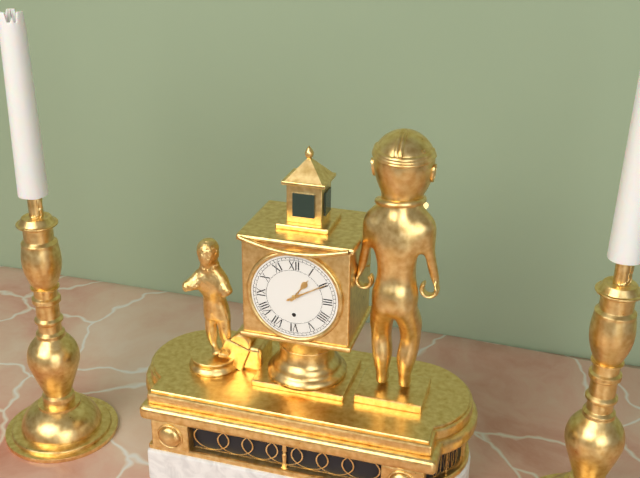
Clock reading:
{"hour": 1, "minute": 10}
